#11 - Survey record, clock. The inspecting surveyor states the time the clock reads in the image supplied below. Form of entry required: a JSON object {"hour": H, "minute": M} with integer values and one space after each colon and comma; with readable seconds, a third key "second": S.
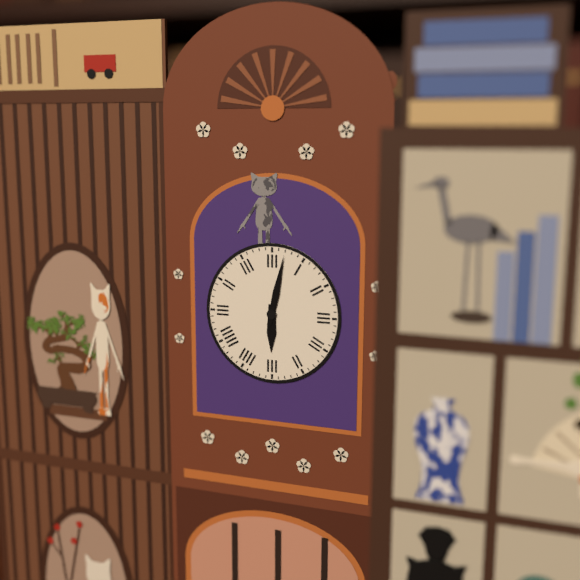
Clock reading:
{"hour": 6, "minute": 2}
